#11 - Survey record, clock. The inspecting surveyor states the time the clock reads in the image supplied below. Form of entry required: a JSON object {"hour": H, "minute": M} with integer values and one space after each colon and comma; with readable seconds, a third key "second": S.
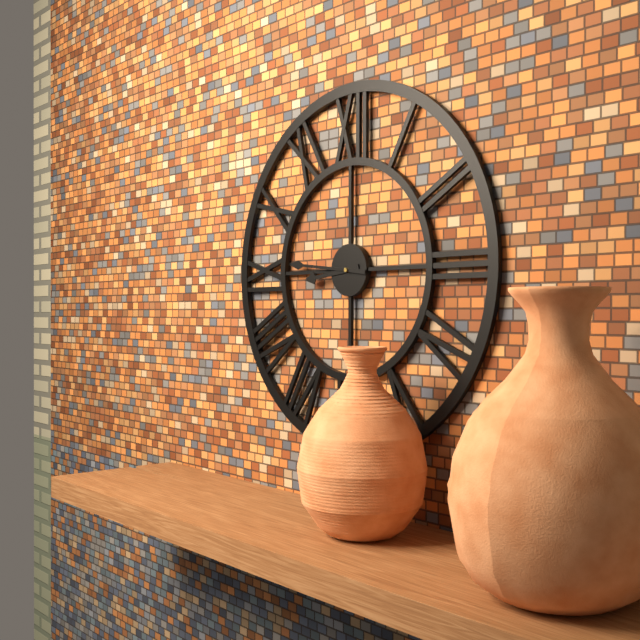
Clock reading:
{"hour": 8, "minute": 46}
